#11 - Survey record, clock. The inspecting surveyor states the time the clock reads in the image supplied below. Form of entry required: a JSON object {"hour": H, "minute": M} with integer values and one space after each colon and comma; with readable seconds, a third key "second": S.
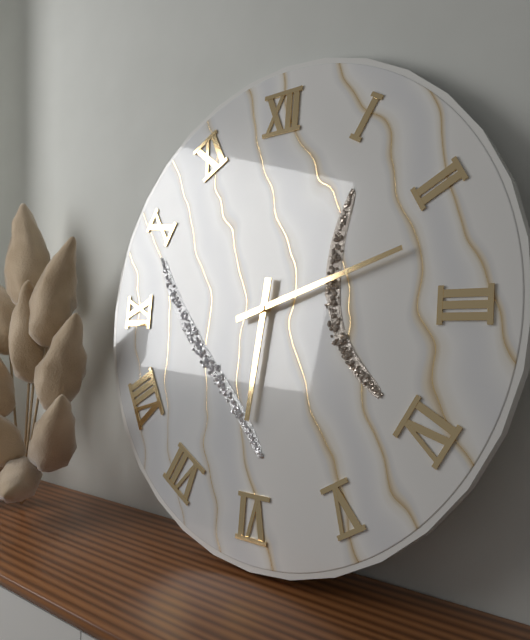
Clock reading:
{"hour": 6, "minute": 12}
